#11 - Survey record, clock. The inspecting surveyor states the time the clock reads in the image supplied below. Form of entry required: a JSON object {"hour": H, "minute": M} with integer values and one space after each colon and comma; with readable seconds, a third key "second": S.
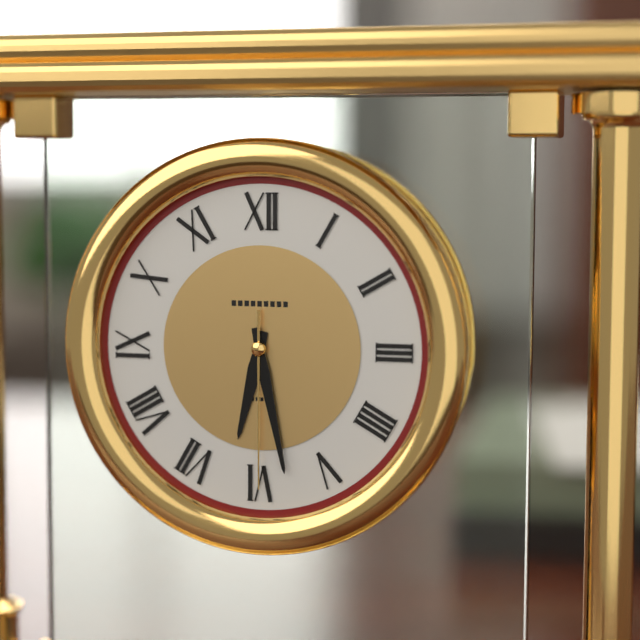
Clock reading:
{"hour": 6, "minute": 28, "second": 30}
